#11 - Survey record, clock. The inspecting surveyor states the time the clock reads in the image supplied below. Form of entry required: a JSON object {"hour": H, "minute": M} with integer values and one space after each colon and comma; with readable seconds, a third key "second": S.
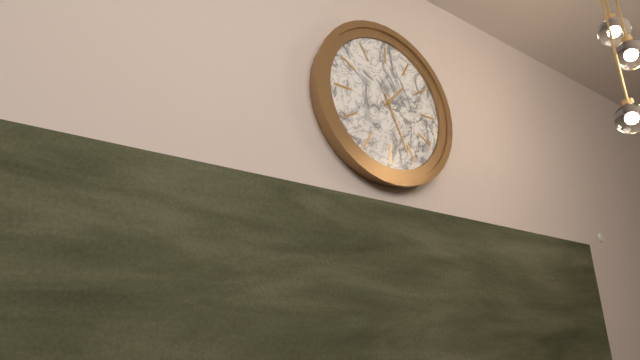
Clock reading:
{"hour": 1, "minute": 26}
